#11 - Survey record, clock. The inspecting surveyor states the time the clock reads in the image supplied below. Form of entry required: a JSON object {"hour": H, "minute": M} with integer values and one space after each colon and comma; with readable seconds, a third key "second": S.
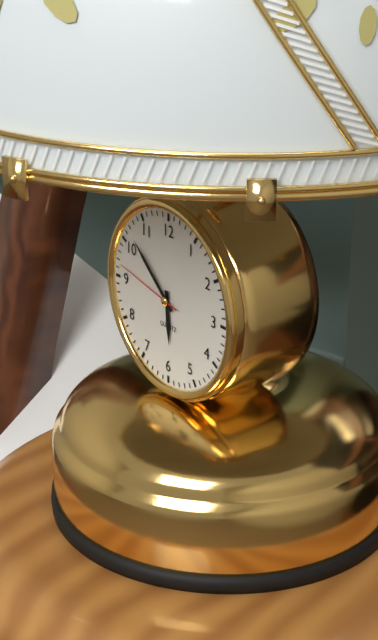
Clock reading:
{"hour": 5, "minute": 52, "second": 47}
